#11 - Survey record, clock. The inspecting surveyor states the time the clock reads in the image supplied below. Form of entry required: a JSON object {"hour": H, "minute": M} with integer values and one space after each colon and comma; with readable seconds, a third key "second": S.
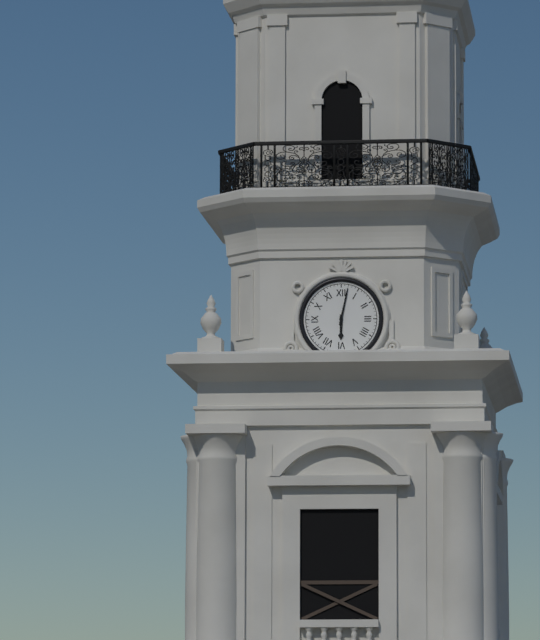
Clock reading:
{"hour": 6, "minute": 2}
